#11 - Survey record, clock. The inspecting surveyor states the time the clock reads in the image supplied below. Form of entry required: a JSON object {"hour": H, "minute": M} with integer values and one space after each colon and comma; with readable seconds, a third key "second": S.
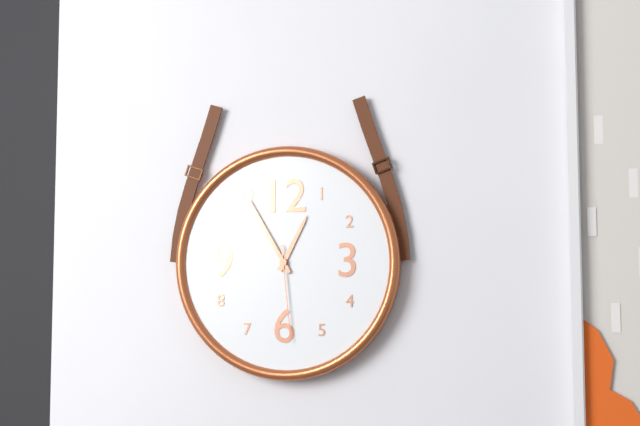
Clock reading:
{"hour": 12, "minute": 55, "second": 29}
